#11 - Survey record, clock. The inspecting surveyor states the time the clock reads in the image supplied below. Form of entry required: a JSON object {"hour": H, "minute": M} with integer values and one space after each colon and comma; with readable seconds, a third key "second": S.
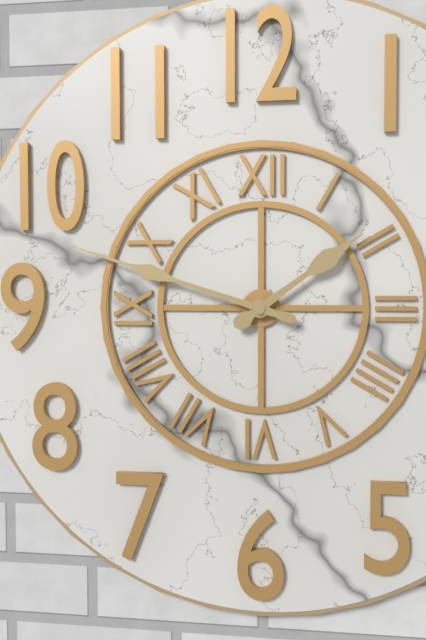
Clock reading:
{"hour": 1, "minute": 48}
